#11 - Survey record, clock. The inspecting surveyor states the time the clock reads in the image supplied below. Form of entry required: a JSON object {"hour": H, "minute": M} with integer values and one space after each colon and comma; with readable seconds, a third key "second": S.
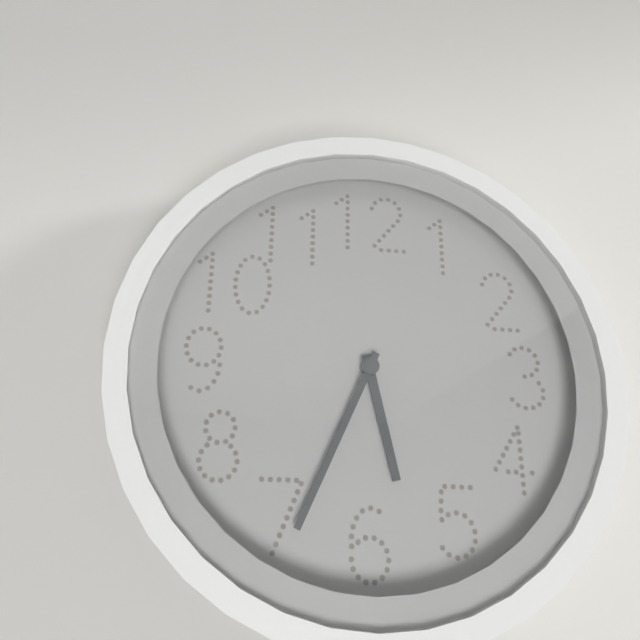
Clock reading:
{"hour": 5, "minute": 34}
